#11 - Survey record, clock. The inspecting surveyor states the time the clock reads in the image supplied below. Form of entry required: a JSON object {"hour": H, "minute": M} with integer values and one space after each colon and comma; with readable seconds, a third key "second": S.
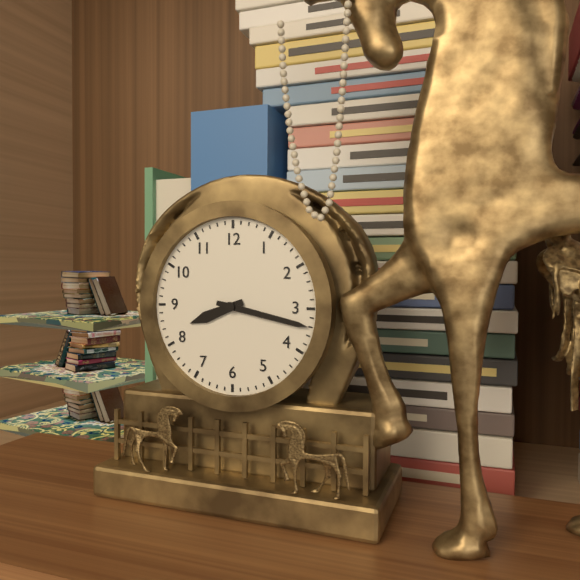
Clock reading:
{"hour": 8, "minute": 17}
